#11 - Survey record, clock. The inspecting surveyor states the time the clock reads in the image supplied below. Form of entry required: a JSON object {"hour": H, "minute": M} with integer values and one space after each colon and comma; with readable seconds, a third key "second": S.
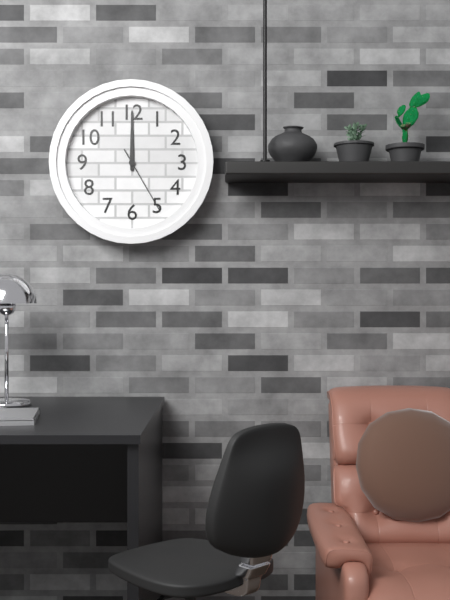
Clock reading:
{"hour": 12, "minute": 0, "second": 25}
